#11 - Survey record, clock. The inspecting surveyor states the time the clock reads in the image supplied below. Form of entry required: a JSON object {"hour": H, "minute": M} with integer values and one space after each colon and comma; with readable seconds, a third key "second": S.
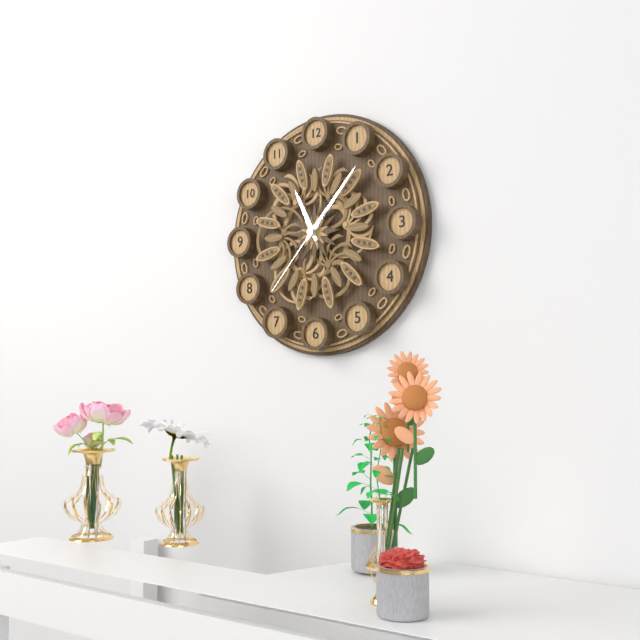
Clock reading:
{"hour": 11, "minute": 7, "second": 37}
